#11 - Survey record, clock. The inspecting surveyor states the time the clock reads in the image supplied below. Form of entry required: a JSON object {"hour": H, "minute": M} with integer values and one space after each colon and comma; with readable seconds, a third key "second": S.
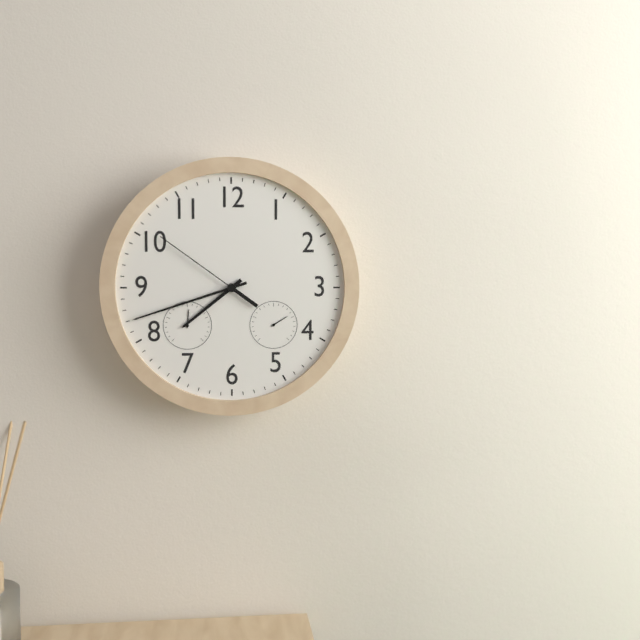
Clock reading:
{"hour": 7, "minute": 42, "second": 51}
